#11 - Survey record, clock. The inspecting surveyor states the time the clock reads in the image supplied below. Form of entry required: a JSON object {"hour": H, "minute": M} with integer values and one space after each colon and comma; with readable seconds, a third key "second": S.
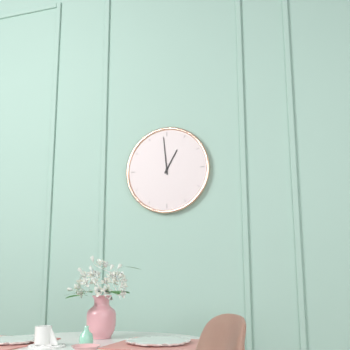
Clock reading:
{"hour": 12, "minute": 59}
